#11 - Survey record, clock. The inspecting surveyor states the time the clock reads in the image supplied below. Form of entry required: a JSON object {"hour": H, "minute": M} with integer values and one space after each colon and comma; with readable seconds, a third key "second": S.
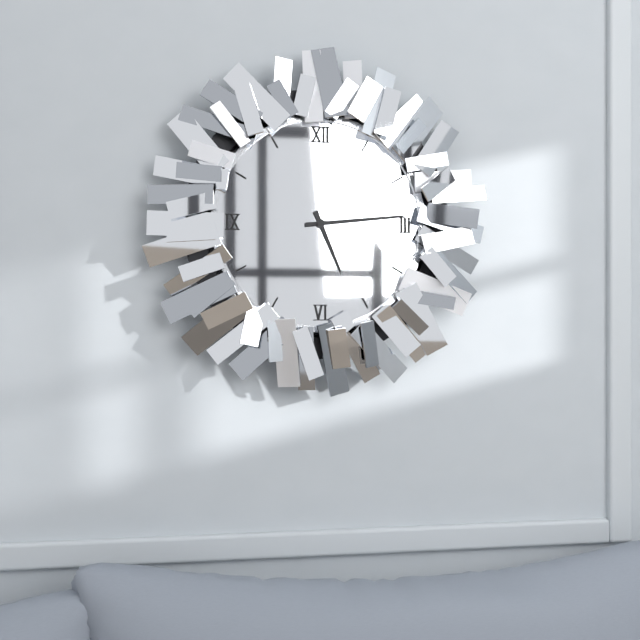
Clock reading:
{"hour": 5, "minute": 14}
